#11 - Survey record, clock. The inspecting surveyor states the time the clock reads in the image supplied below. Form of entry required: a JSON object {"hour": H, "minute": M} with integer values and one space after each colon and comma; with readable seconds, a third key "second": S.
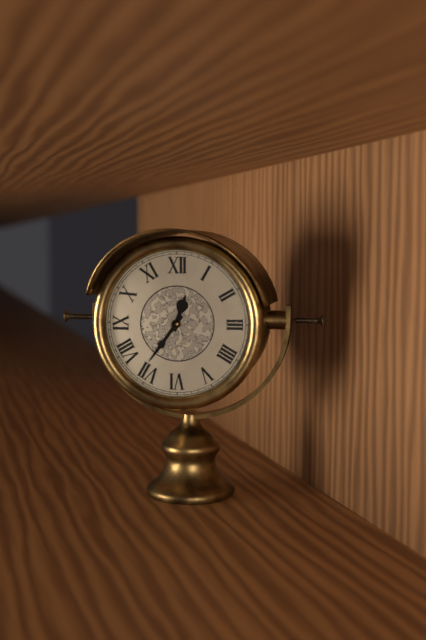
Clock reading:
{"hour": 12, "minute": 36}
